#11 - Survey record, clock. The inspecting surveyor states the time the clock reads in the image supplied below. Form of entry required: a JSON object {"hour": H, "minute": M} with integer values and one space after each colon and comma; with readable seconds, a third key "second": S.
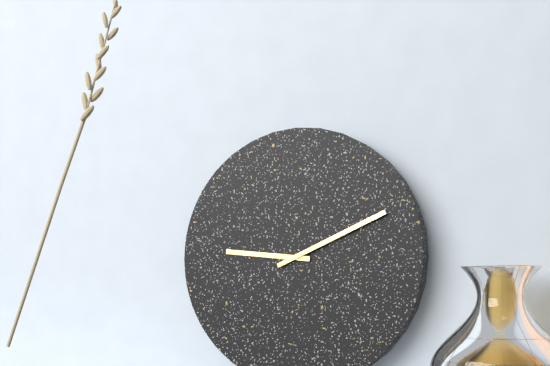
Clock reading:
{"hour": 9, "minute": 11}
